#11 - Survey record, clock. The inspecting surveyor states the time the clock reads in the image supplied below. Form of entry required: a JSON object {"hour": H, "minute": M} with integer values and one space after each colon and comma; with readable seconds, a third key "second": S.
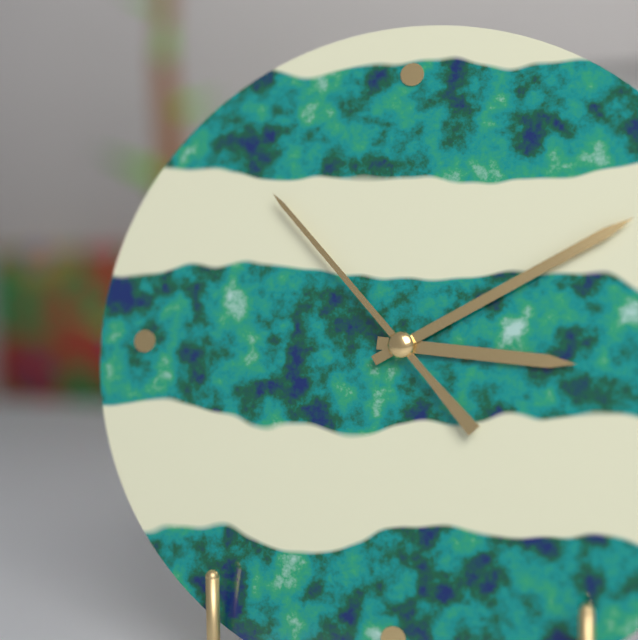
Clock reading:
{"hour": 3, "minute": 10, "second": 53}
